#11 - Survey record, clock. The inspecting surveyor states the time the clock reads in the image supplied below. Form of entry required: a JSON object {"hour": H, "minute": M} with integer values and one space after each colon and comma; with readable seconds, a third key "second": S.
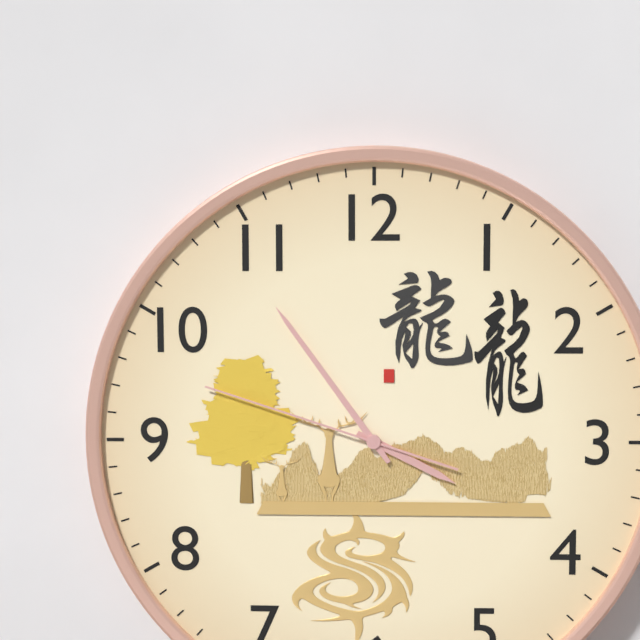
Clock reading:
{"hour": 3, "minute": 54, "second": 48}
